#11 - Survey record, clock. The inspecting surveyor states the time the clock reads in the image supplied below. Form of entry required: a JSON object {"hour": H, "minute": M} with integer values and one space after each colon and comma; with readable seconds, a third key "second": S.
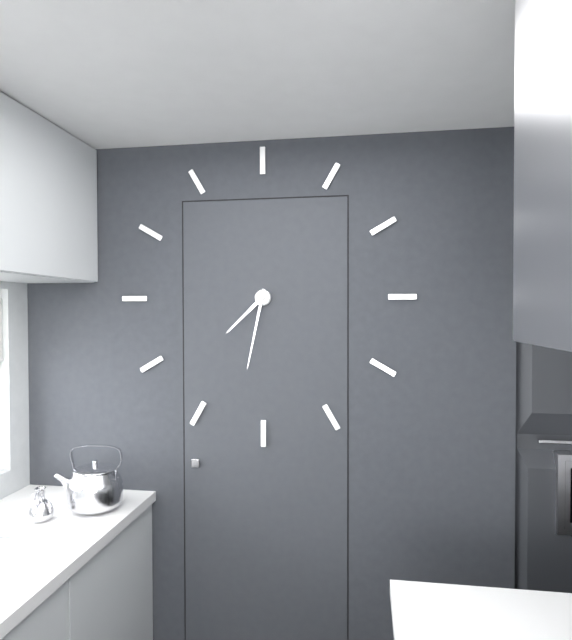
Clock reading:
{"hour": 7, "minute": 32}
